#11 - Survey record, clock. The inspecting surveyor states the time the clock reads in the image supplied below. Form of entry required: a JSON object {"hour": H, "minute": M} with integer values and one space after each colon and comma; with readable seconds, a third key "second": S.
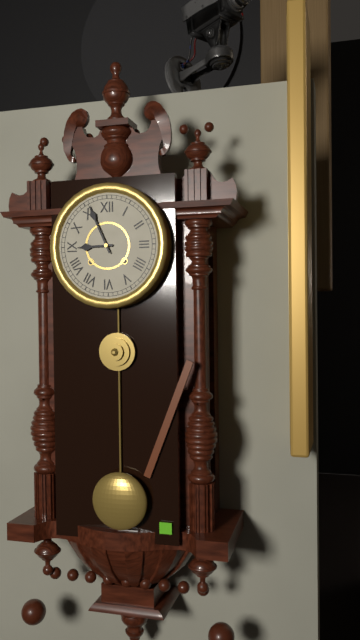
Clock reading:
{"hour": 8, "minute": 56}
